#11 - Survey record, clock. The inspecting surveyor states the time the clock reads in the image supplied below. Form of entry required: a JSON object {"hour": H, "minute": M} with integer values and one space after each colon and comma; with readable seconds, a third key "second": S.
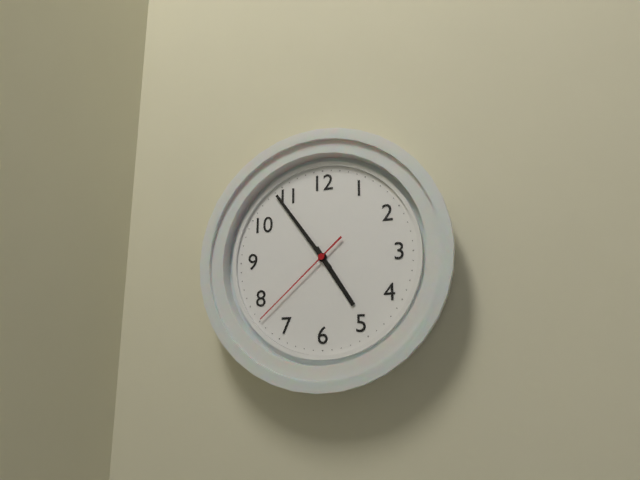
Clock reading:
{"hour": 4, "minute": 54, "second": 38}
